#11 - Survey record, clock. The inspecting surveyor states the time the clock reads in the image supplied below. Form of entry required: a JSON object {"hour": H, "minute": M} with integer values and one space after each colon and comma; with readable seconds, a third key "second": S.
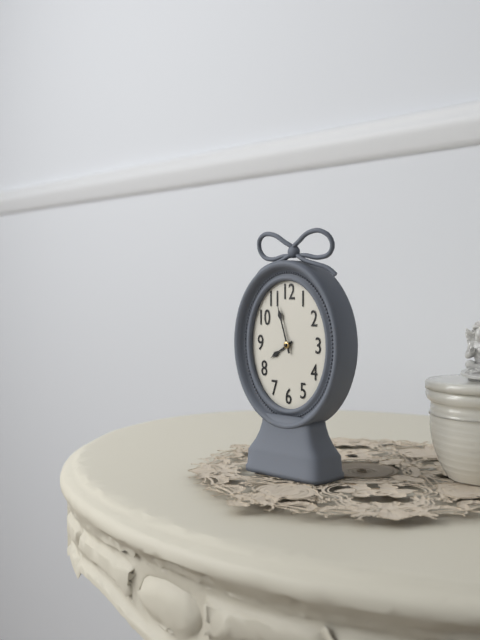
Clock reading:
{"hour": 7, "minute": 57}
